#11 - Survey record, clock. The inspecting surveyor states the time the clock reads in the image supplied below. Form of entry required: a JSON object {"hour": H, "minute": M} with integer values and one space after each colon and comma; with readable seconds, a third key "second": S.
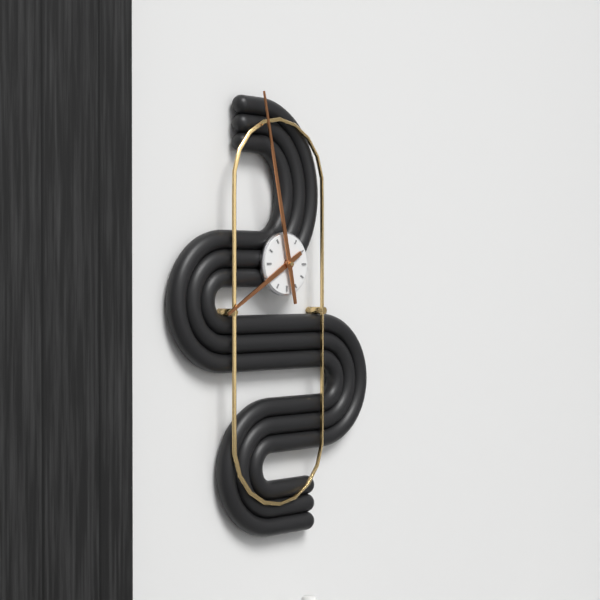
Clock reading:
{"hour": 7, "minute": 58}
